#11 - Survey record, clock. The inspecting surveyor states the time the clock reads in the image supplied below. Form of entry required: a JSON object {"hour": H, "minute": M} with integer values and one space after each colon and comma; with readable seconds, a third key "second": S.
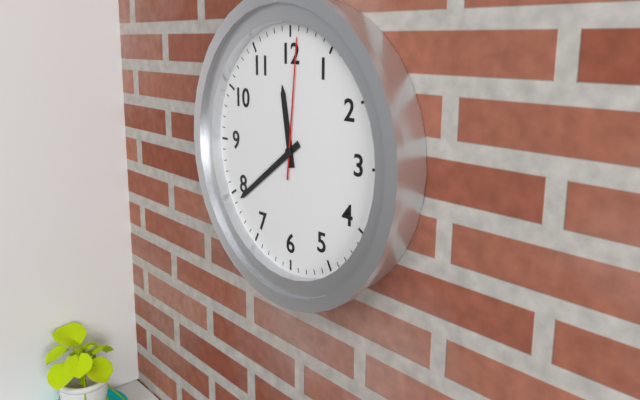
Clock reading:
{"hour": 11, "minute": 39, "second": 1}
